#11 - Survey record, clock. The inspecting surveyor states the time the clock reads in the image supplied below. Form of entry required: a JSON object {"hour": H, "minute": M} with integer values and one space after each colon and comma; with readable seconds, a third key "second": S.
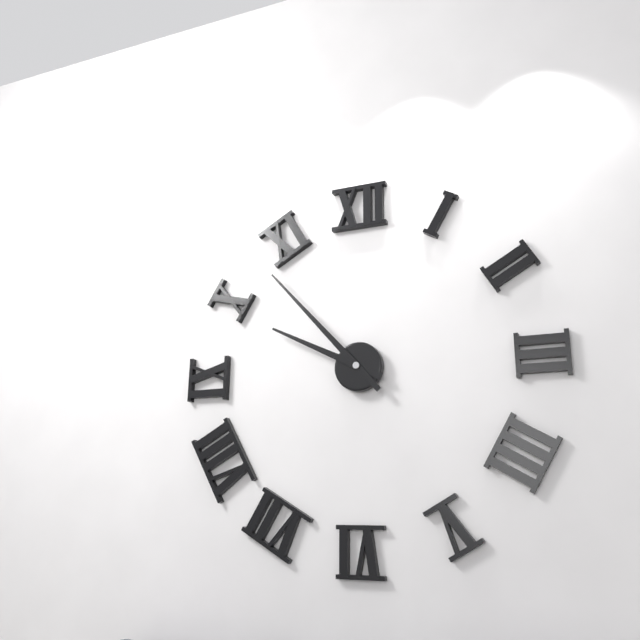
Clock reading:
{"hour": 9, "minute": 53}
